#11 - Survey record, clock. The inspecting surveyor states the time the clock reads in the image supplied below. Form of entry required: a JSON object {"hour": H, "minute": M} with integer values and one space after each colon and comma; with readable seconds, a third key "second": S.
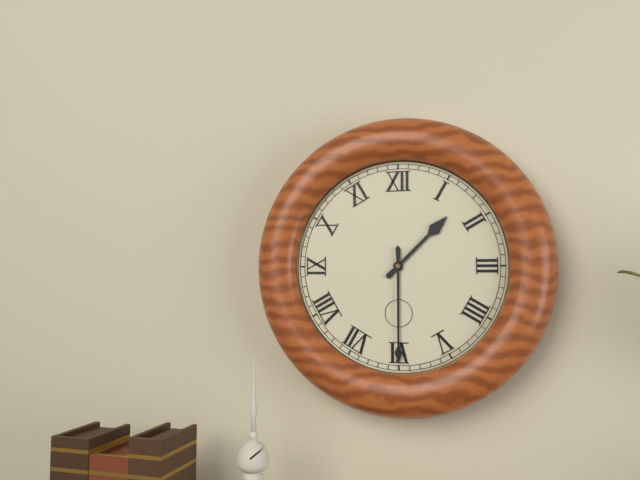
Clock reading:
{"hour": 1, "minute": 30}
